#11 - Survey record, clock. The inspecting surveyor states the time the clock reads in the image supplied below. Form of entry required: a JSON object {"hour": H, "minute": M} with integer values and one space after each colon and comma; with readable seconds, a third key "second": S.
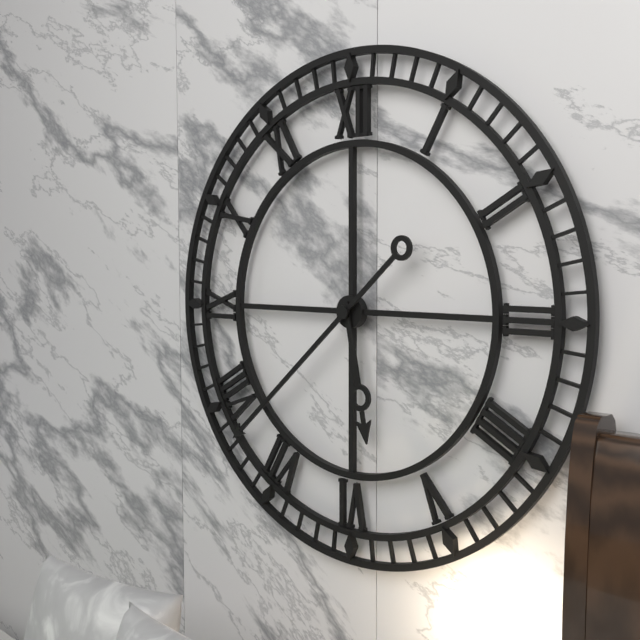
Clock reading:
{"hour": 5, "minute": 38}
